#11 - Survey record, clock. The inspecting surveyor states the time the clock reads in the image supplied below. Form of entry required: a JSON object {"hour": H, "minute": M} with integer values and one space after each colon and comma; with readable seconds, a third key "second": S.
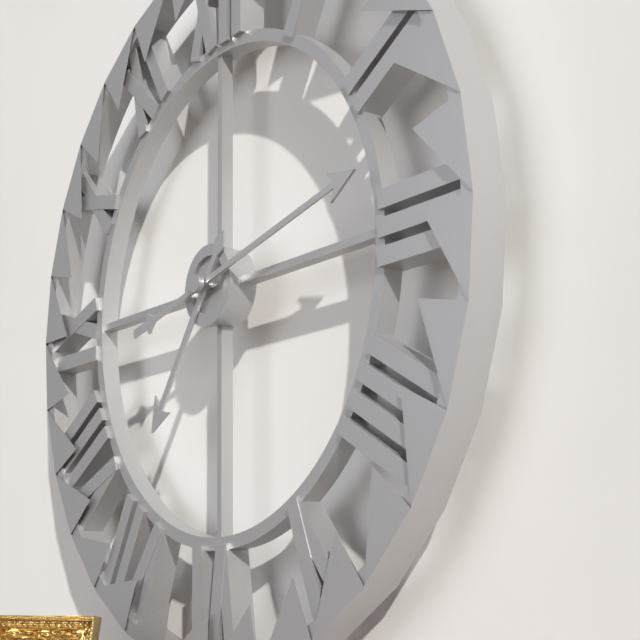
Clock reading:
{"hour": 7, "minute": 13}
